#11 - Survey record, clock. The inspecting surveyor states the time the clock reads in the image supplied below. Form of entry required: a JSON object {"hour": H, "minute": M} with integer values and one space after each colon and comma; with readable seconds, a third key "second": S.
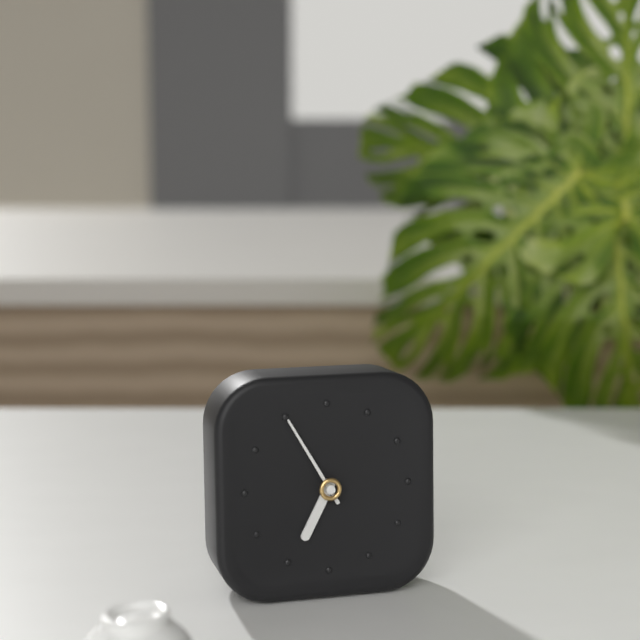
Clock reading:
{"hour": 6, "minute": 55}
